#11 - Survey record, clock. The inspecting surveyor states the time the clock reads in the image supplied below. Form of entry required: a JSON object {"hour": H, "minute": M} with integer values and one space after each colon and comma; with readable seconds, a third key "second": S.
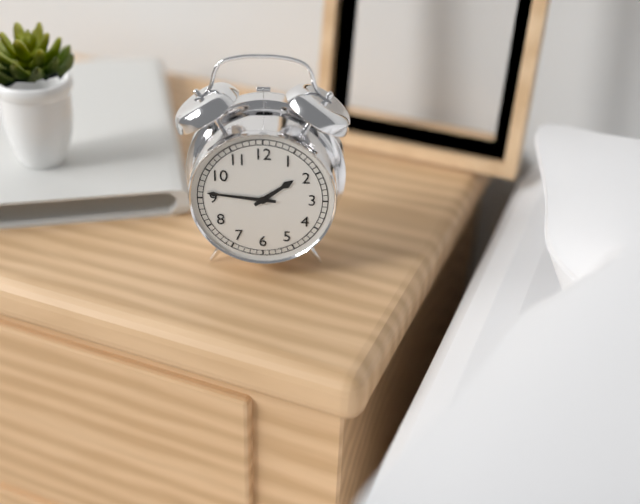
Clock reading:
{"hour": 1, "minute": 46}
